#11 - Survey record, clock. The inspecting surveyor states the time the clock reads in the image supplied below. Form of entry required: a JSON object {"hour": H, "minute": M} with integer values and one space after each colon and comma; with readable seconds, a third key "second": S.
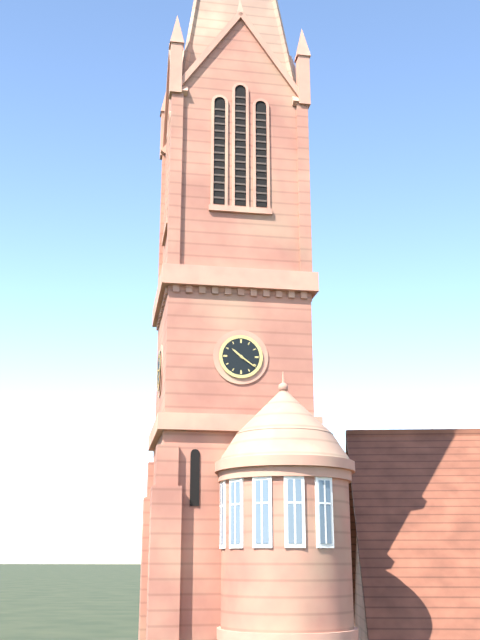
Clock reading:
{"hour": 10, "minute": 21}
